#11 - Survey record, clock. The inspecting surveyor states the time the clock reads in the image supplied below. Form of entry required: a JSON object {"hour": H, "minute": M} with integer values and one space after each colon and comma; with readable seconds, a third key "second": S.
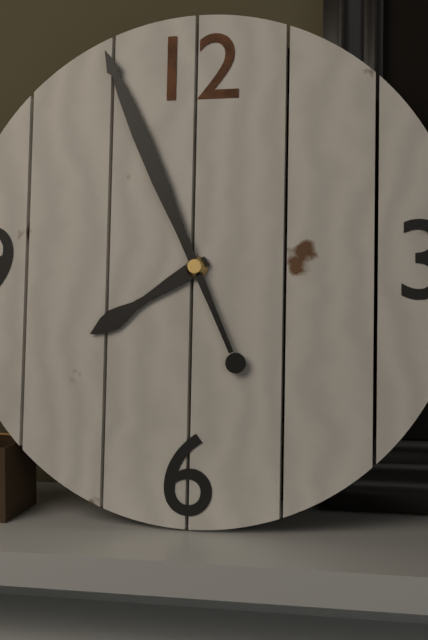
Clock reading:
{"hour": 7, "minute": 56}
